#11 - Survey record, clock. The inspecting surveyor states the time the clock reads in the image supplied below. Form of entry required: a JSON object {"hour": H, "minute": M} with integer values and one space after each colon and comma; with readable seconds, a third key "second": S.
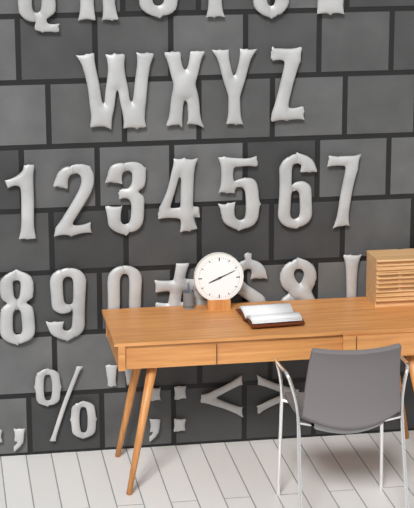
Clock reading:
{"hour": 8, "minute": 11}
